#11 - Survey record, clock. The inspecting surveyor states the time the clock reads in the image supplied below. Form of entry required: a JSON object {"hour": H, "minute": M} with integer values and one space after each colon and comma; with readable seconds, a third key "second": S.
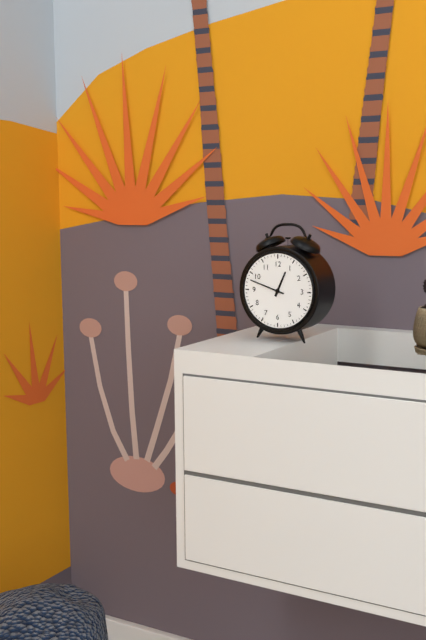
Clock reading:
{"hour": 12, "minute": 48}
